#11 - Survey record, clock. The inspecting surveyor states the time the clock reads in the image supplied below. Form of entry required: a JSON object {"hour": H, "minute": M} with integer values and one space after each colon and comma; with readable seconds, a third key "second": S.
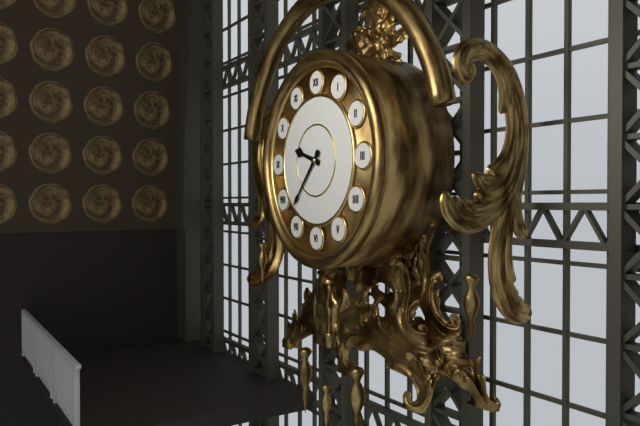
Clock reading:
{"hour": 9, "minute": 37}
